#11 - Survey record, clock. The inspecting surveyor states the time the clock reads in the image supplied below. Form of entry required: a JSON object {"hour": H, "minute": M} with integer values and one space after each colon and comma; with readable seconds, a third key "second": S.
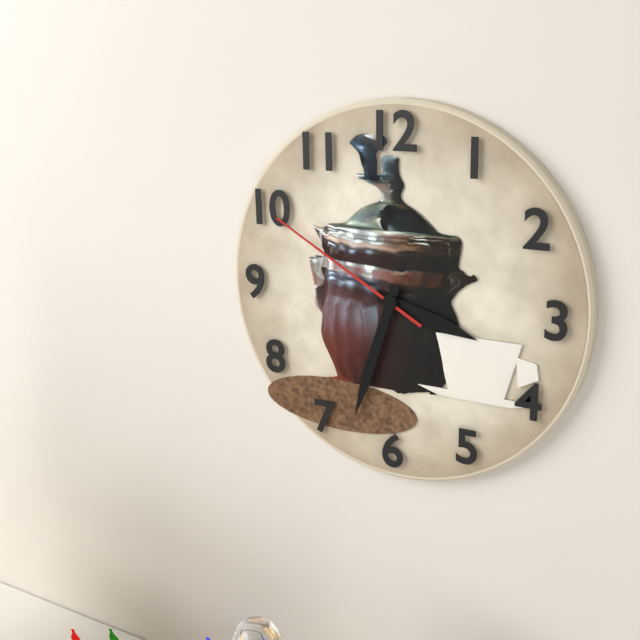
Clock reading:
{"hour": 3, "minute": 33, "second": 50}
